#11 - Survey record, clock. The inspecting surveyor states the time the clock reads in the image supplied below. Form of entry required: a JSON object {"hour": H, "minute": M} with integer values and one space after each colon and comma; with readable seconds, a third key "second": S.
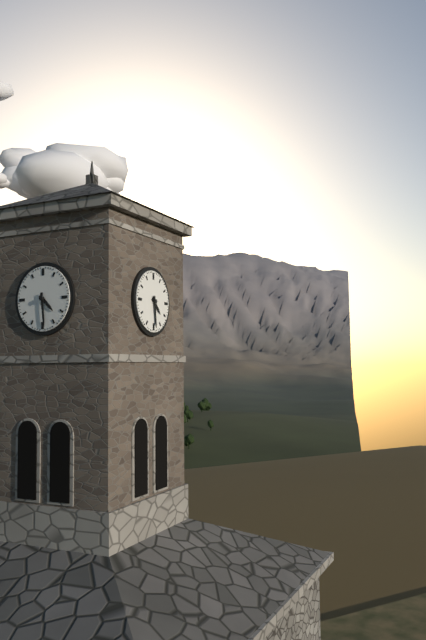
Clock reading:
{"hour": 4, "minute": 29}
